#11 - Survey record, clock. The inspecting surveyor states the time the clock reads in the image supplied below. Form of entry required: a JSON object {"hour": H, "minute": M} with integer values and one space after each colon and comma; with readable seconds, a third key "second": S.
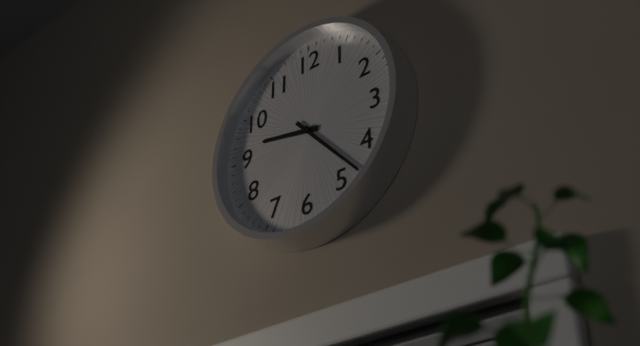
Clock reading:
{"hour": 9, "minute": 23}
